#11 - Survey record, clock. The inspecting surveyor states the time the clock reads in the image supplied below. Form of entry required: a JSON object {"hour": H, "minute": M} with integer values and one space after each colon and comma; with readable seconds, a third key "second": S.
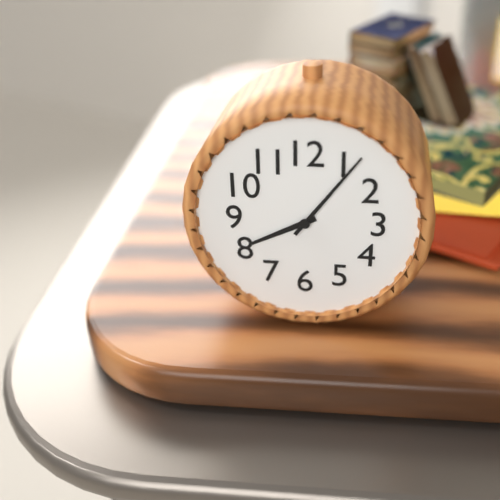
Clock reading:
{"hour": 8, "minute": 6}
